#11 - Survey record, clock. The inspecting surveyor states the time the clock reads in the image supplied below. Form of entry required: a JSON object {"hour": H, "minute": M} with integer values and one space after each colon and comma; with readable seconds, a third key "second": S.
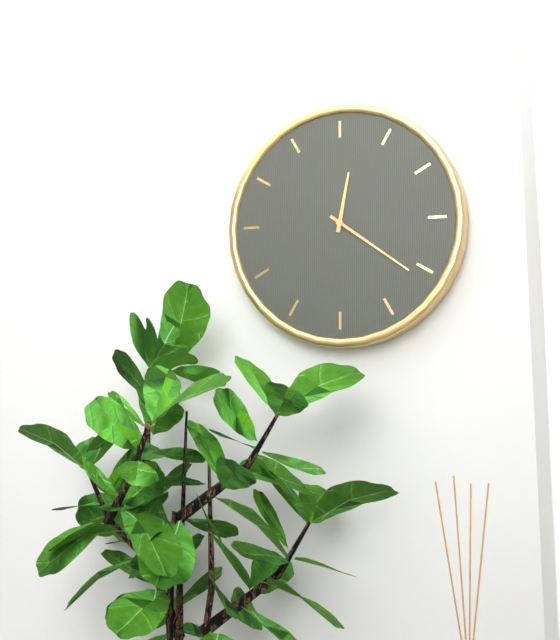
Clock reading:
{"hour": 12, "minute": 21}
